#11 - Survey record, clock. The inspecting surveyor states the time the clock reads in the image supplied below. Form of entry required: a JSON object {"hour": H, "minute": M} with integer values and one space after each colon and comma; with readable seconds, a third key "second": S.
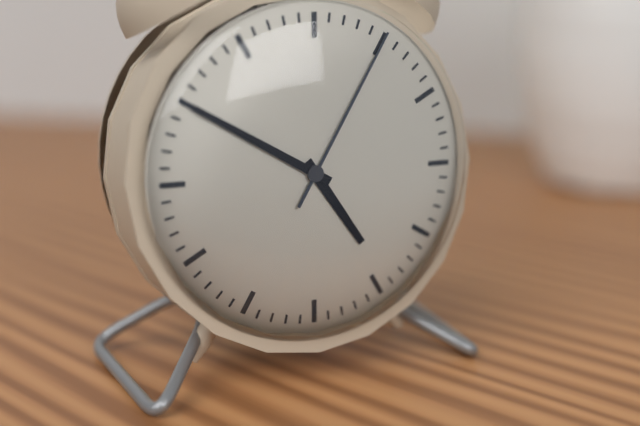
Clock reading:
{"hour": 4, "minute": 50, "second": 5}
